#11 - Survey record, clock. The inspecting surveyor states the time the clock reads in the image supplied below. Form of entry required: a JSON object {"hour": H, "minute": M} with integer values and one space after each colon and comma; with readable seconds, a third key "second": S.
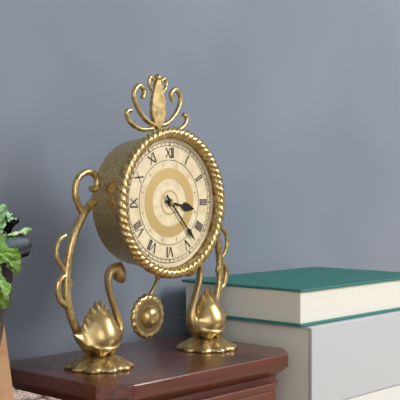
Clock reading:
{"hour": 3, "minute": 23}
